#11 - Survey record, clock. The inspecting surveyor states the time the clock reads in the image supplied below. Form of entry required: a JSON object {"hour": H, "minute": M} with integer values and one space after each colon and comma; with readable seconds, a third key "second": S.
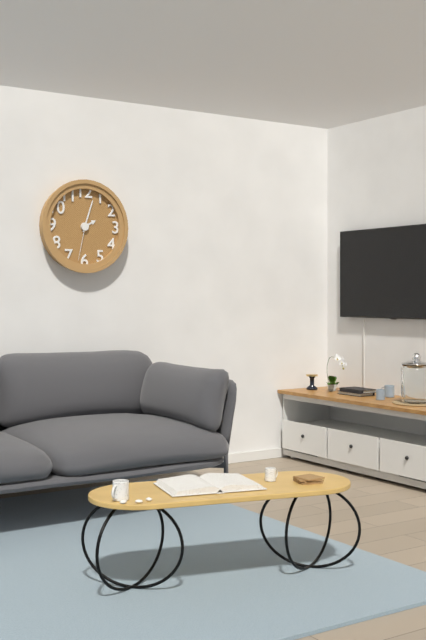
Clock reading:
{"hour": 2, "minute": 3}
